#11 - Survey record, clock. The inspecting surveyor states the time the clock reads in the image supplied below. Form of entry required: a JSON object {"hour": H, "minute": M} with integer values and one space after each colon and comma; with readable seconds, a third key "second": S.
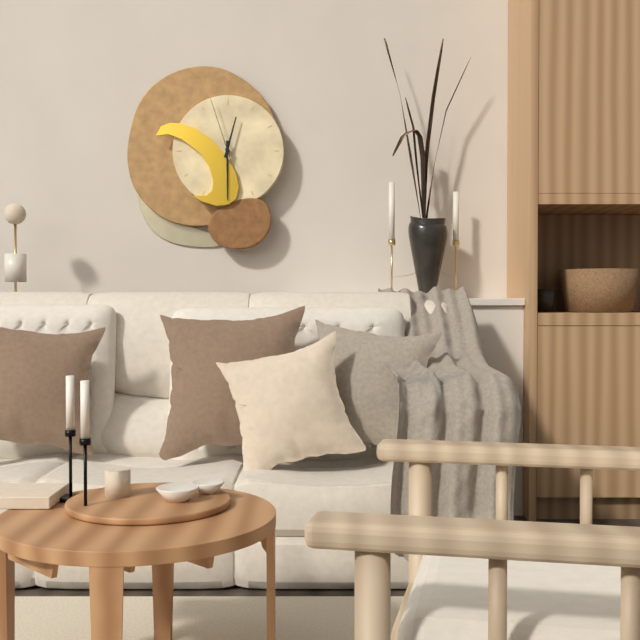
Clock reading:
{"hour": 12, "minute": 30, "second": 57}
